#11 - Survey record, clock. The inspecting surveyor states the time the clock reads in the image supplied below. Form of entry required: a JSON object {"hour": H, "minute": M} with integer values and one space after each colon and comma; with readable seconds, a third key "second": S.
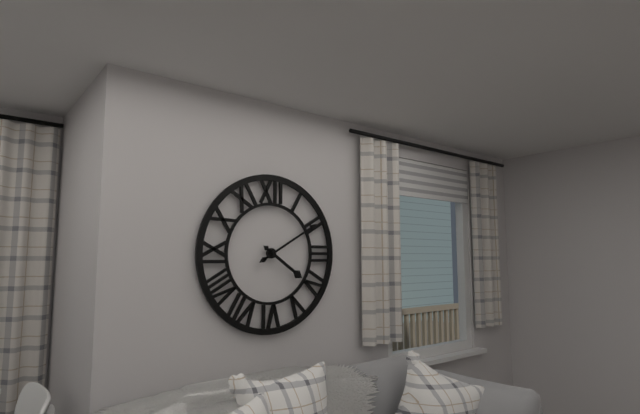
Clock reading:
{"hour": 4, "minute": 10}
